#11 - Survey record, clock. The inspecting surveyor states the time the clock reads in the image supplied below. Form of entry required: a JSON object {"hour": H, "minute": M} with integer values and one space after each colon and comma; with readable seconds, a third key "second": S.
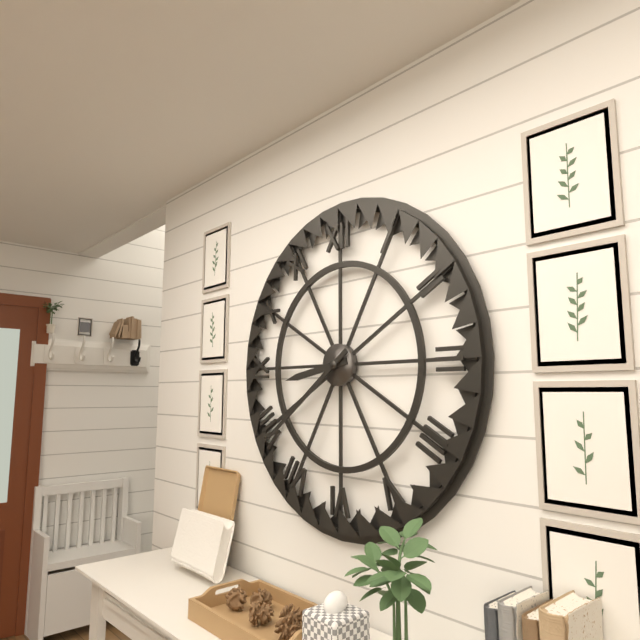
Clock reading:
{"hour": 8, "minute": 39}
